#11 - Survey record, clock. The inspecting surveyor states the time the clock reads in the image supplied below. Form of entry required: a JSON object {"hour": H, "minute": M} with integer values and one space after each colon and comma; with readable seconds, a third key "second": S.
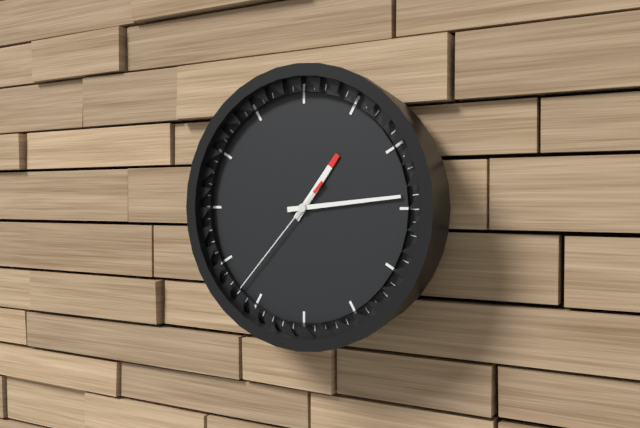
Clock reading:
{"hour": 1, "minute": 14, "second": 37}
